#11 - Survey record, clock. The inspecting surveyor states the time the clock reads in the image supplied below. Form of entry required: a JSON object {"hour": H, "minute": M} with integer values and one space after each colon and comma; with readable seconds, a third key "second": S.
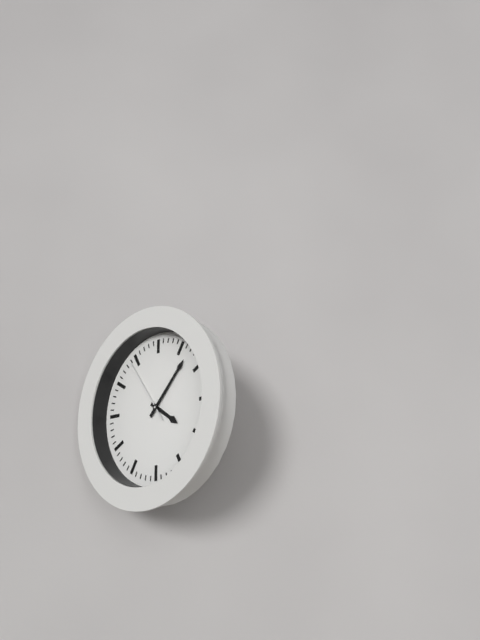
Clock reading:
{"hour": 4, "minute": 7, "second": 54}
